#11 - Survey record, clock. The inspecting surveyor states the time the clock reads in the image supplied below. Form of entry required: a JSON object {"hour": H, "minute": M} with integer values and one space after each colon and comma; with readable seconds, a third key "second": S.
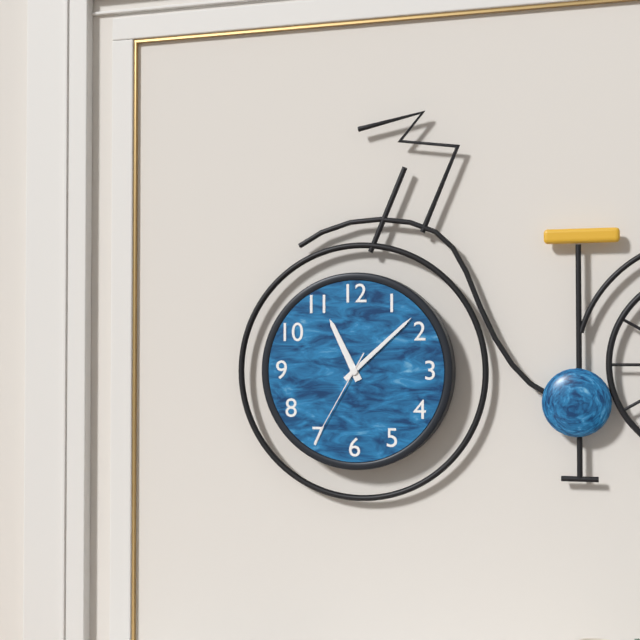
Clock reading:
{"hour": 11, "minute": 8, "second": 35}
